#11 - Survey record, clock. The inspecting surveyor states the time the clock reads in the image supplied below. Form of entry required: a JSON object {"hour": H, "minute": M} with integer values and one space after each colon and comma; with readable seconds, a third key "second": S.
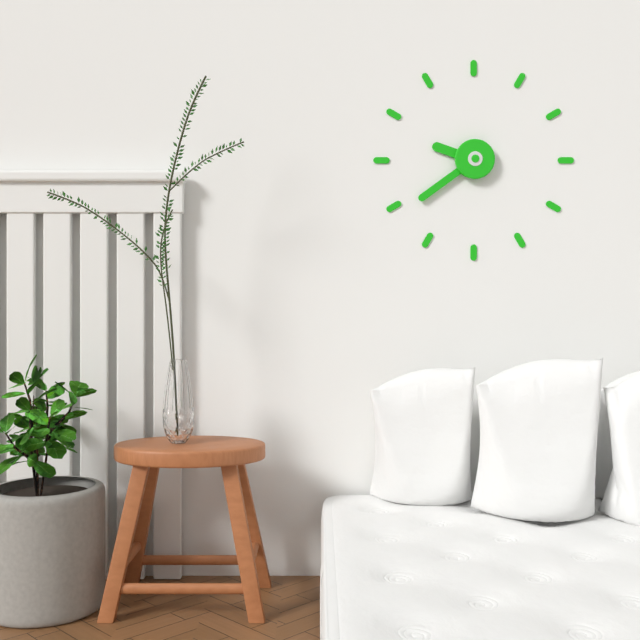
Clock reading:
{"hour": 9, "minute": 39}
